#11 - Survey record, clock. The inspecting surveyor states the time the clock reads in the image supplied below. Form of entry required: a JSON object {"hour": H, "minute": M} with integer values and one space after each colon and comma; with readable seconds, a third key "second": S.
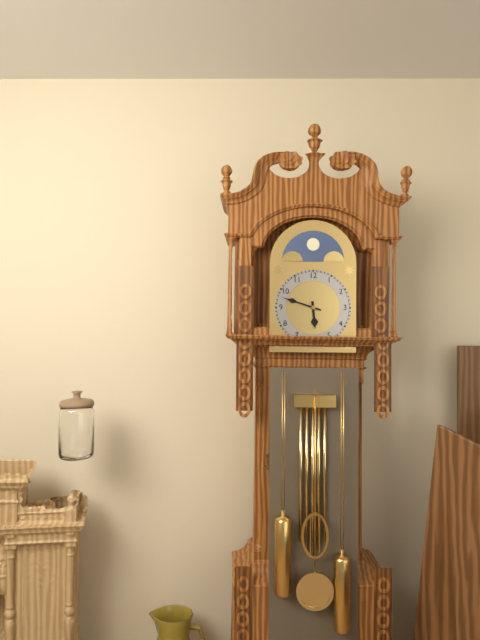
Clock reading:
{"hour": 5, "minute": 48}
